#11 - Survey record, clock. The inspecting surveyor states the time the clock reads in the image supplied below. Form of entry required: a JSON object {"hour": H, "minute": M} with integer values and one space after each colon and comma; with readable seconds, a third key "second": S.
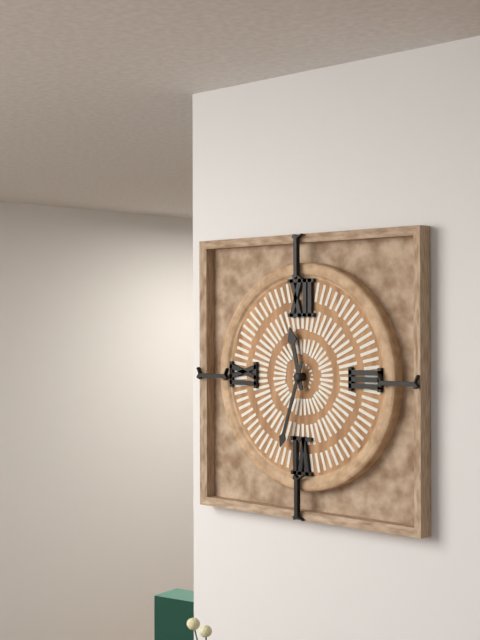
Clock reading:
{"hour": 11, "minute": 33}
